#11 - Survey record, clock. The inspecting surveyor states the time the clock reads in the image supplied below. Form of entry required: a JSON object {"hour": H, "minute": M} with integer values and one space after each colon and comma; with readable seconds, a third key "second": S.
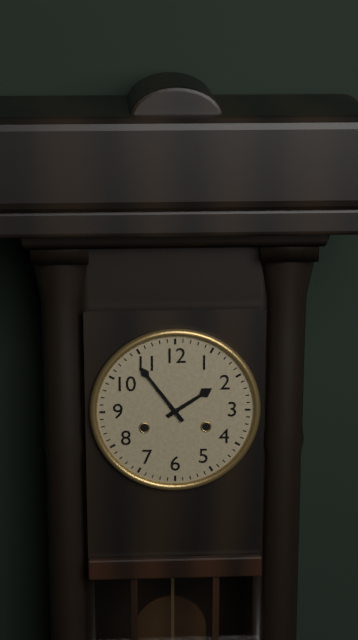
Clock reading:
{"hour": 1, "minute": 54}
